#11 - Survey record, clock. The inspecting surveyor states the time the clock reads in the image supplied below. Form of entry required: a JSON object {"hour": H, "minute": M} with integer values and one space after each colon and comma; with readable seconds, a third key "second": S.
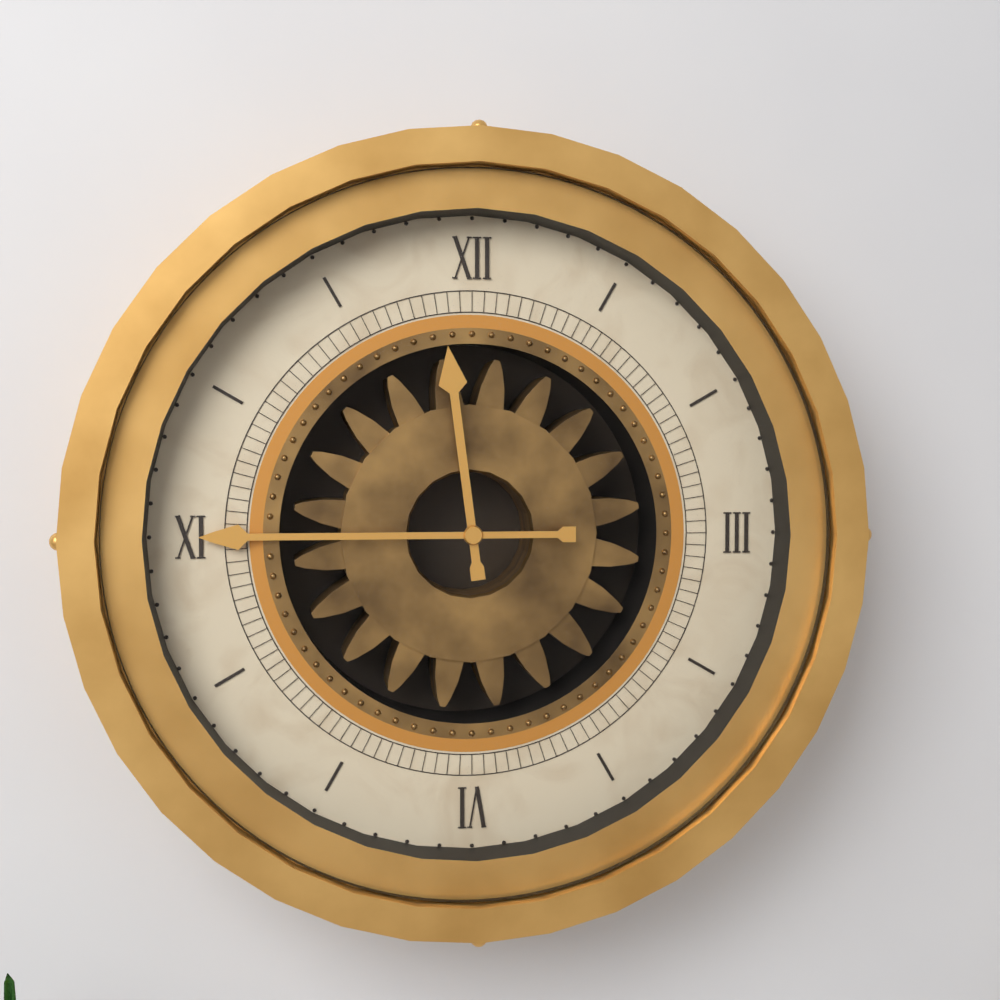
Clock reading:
{"hour": 11, "minute": 45}
